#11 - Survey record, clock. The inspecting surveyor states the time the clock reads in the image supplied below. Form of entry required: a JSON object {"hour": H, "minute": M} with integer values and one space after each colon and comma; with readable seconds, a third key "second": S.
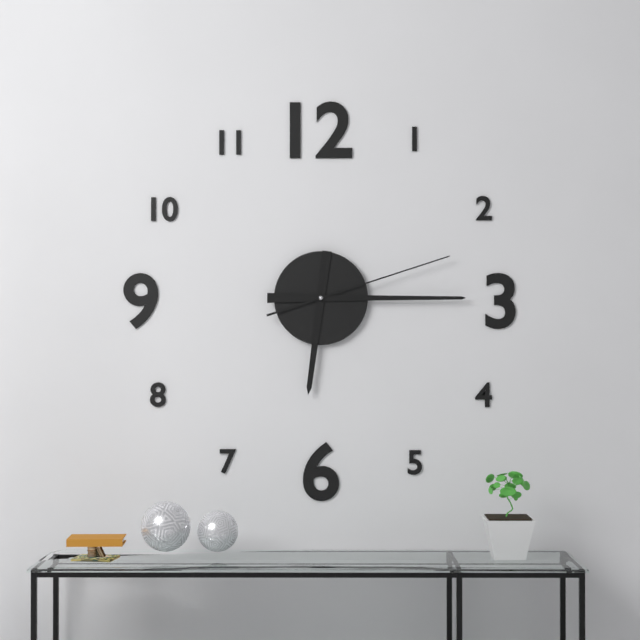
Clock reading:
{"hour": 6, "minute": 15, "second": 12}
